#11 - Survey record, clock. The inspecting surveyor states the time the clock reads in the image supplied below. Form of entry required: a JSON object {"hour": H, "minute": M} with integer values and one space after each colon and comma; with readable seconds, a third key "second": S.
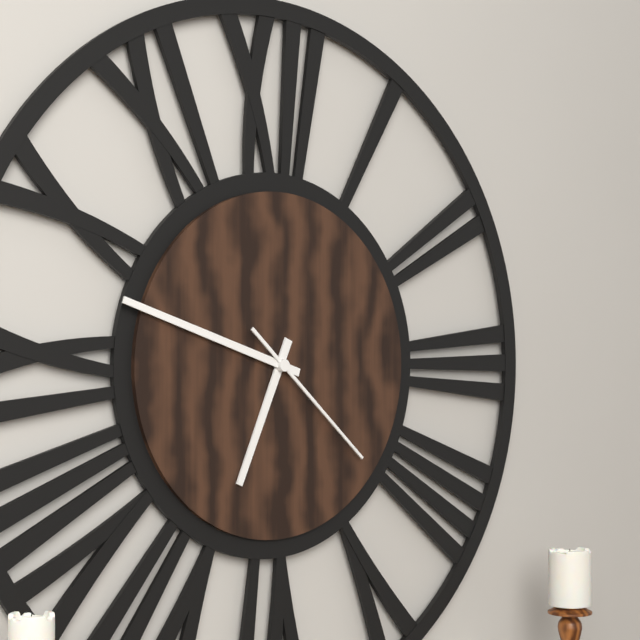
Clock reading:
{"hour": 6, "minute": 48, "second": 22}
